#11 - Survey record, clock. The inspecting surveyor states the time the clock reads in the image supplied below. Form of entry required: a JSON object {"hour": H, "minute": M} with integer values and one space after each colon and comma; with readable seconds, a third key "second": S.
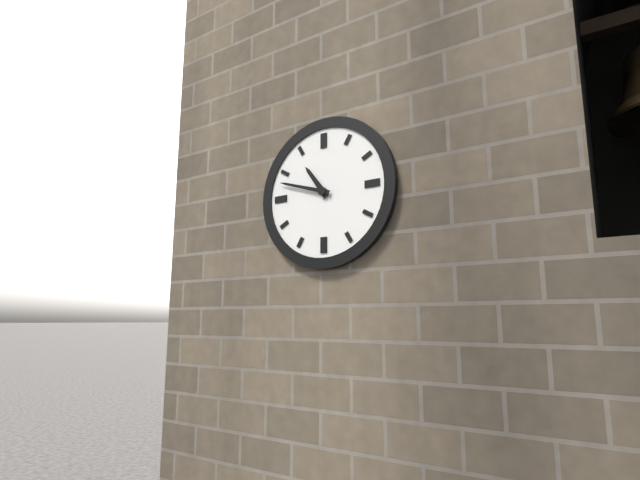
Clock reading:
{"hour": 10, "minute": 48}
